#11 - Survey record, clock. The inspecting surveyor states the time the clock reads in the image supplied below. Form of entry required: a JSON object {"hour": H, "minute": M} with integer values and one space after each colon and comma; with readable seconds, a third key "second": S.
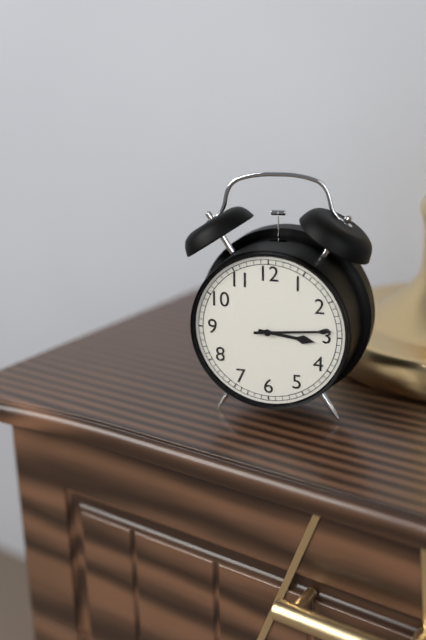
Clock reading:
{"hour": 3, "minute": 14}
